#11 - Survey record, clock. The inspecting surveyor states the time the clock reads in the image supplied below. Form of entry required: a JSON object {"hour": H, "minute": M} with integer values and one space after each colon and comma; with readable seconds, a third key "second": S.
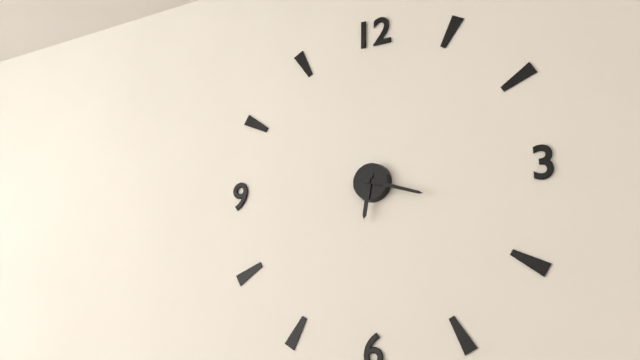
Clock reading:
{"hour": 6, "minute": 18}
